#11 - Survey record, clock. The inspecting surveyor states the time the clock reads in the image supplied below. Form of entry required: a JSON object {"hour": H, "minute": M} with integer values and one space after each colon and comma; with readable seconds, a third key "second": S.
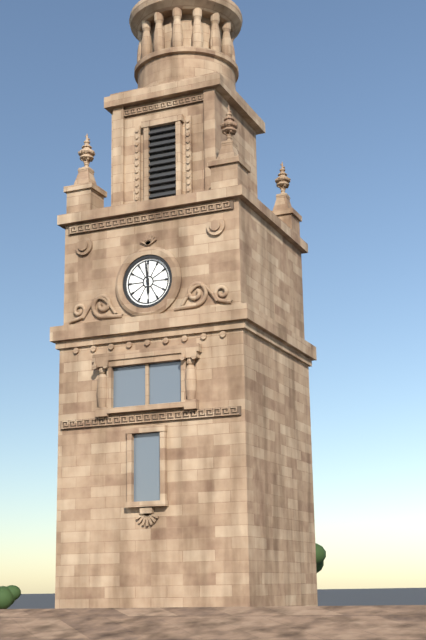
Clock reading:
{"hour": 5, "minute": 59}
